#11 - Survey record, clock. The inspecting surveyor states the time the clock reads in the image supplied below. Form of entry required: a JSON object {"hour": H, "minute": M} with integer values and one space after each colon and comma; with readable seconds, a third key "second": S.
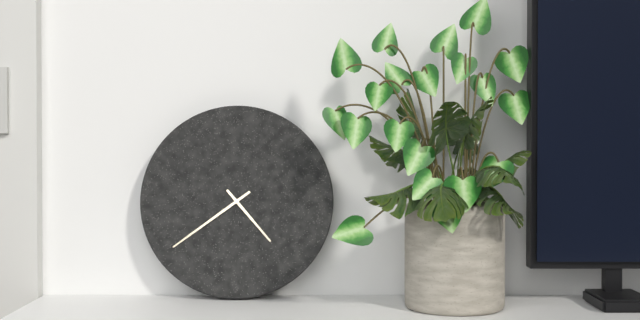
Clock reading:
{"hour": 4, "minute": 39}
